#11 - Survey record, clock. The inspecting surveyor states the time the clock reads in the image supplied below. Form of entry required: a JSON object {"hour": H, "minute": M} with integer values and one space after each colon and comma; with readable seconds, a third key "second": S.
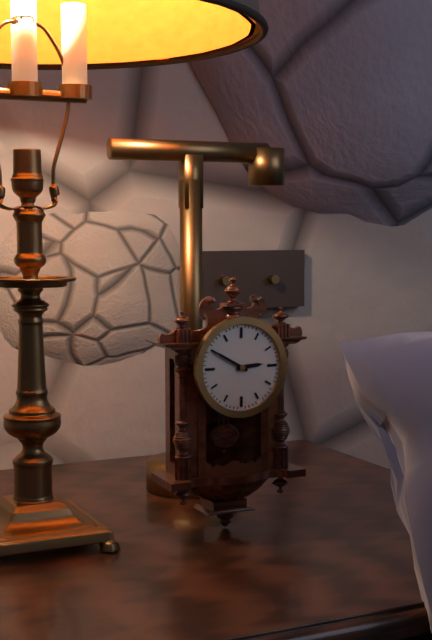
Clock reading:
{"hour": 2, "minute": 50}
